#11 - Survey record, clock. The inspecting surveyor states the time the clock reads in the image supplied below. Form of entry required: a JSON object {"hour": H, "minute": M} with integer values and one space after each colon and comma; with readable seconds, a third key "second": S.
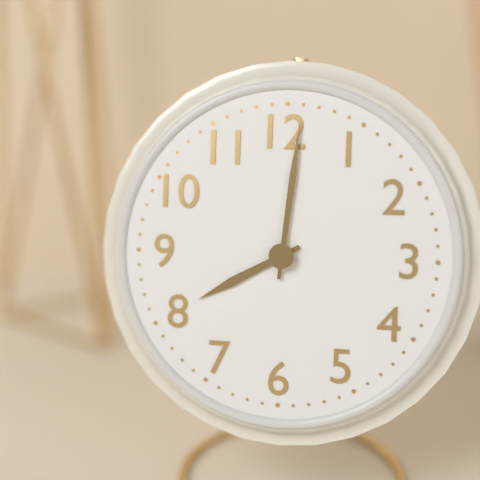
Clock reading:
{"hour": 8, "minute": 1}
